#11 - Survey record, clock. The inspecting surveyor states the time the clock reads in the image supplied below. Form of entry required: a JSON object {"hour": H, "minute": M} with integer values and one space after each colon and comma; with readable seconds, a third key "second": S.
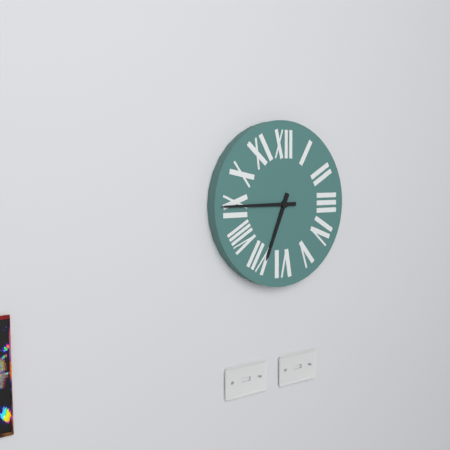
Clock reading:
{"hour": 6, "minute": 45}
